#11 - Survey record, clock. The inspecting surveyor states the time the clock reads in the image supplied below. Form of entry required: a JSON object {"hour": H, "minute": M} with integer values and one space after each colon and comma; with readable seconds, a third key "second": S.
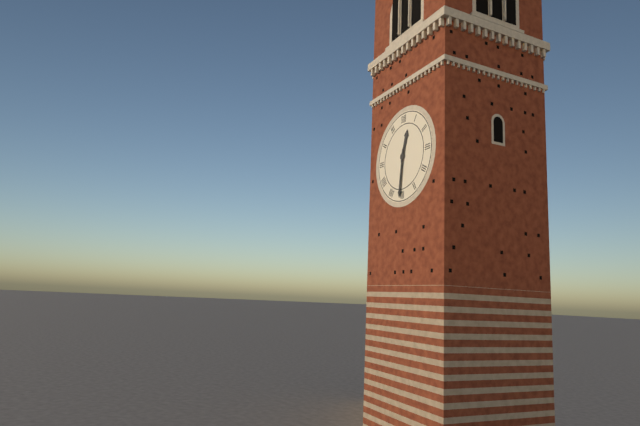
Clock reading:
{"hour": 12, "minute": 31}
